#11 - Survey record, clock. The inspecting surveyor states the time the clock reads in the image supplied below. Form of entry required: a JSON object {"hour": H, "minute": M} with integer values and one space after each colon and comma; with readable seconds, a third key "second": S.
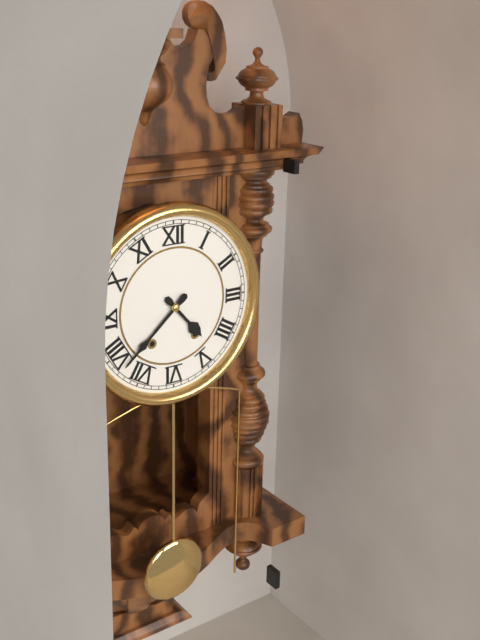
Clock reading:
{"hour": 4, "minute": 38}
